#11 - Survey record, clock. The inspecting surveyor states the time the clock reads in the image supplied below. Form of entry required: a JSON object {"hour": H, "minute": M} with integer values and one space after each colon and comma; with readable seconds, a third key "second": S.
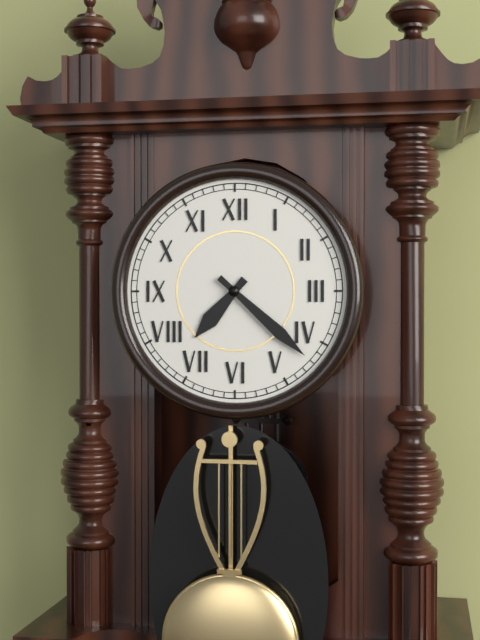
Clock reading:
{"hour": 7, "minute": 22}
